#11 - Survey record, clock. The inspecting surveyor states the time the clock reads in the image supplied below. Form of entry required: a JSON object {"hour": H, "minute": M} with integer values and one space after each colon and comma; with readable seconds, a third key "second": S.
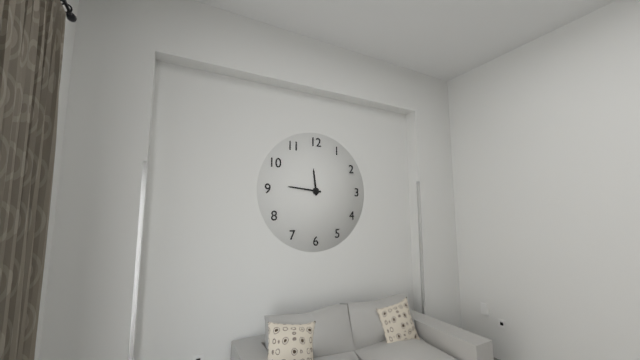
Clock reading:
{"hour": 11, "minute": 46}
